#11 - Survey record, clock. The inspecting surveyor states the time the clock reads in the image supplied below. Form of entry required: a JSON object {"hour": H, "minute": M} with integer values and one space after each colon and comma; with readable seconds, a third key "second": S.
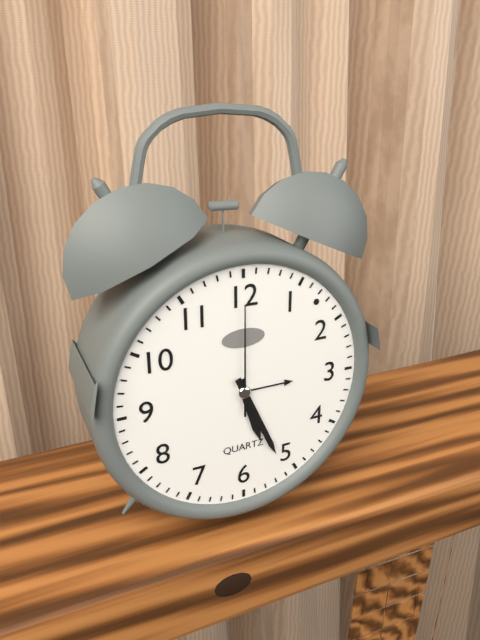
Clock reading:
{"hour": 5, "minute": 26, "second": 0}
